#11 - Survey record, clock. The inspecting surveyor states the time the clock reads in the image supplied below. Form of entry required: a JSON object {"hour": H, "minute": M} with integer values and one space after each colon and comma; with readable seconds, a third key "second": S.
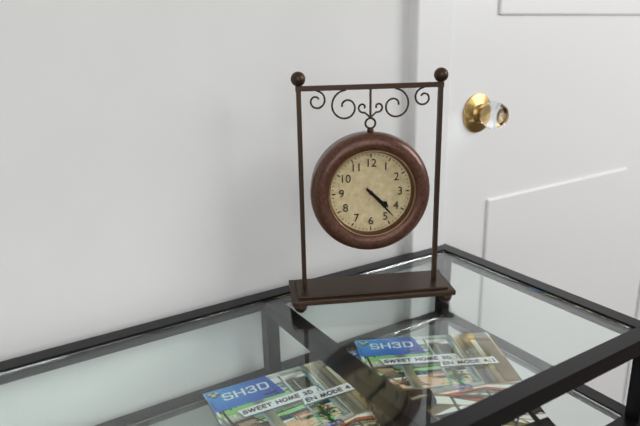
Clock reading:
{"hour": 4, "minute": 23}
